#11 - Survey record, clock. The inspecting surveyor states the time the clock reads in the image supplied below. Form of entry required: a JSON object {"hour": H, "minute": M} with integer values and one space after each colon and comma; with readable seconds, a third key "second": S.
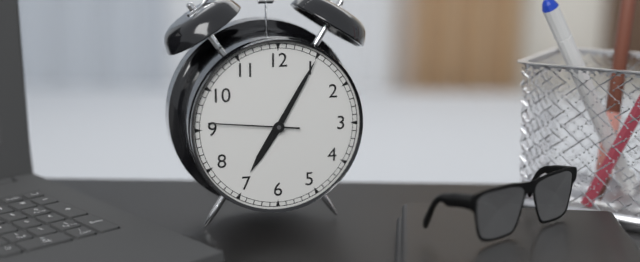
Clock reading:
{"hour": 7, "minute": 5, "second": 46}
